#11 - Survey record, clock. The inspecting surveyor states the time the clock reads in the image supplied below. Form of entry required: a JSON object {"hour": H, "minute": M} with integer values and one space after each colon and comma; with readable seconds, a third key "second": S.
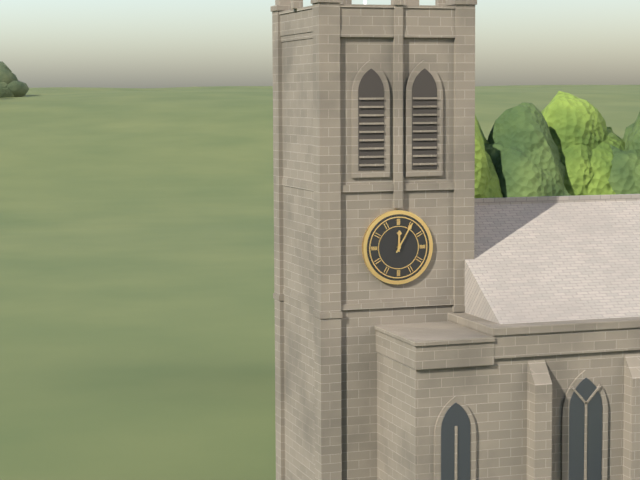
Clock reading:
{"hour": 12, "minute": 5}
